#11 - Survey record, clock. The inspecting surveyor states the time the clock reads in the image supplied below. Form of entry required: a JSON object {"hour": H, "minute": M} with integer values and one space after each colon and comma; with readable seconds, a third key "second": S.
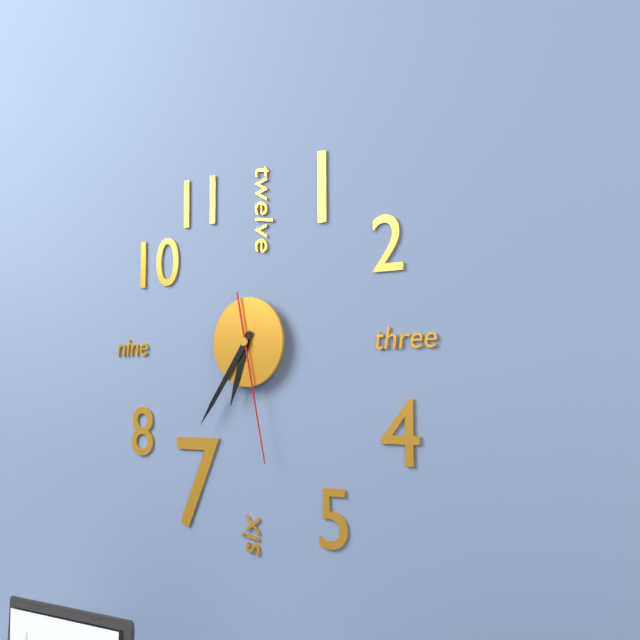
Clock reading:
{"hour": 6, "minute": 36, "second": 28}
